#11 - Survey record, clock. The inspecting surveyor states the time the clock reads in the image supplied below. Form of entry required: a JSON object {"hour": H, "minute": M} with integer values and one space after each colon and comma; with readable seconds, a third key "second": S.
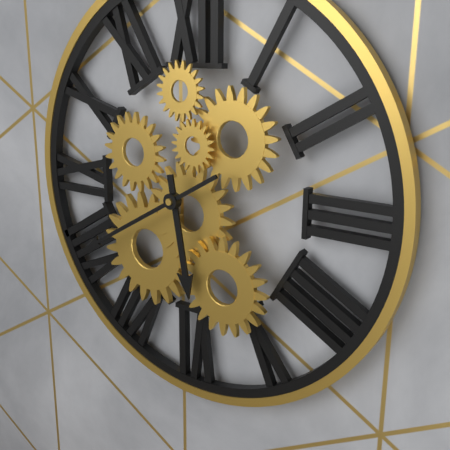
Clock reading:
{"hour": 5, "minute": 40}
